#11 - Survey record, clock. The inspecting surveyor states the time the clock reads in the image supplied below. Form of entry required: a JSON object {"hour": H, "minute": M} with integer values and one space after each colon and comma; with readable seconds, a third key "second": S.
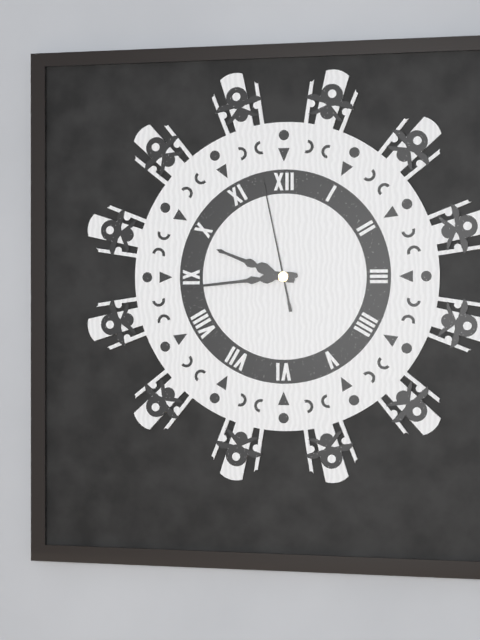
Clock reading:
{"hour": 9, "minute": 44, "second": 58}
